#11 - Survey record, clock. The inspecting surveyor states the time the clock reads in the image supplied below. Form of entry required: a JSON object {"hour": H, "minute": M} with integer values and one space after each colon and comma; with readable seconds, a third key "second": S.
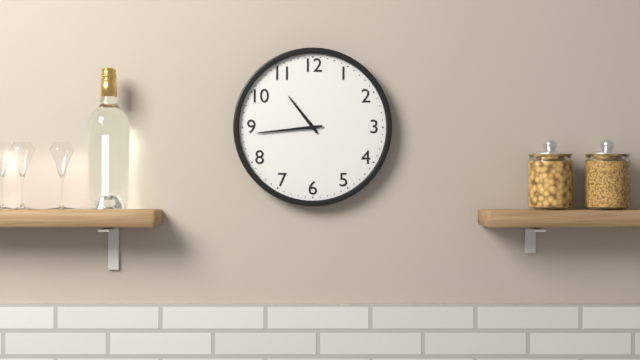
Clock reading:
{"hour": 10, "minute": 44}
